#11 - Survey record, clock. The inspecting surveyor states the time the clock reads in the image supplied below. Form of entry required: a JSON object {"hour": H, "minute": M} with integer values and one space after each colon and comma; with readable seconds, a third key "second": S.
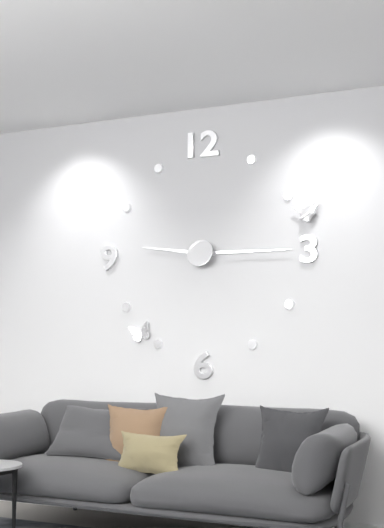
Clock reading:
{"hour": 9, "minute": 15}
